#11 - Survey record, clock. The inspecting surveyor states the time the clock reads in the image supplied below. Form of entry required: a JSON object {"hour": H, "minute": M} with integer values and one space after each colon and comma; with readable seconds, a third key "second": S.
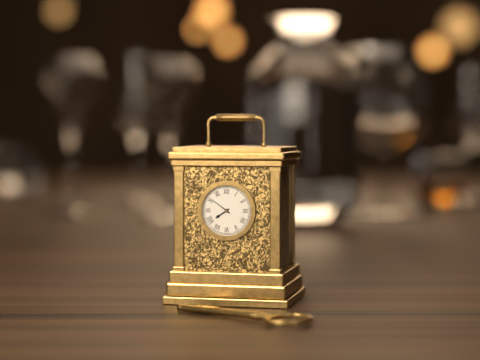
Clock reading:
{"hour": 7, "minute": 51}
